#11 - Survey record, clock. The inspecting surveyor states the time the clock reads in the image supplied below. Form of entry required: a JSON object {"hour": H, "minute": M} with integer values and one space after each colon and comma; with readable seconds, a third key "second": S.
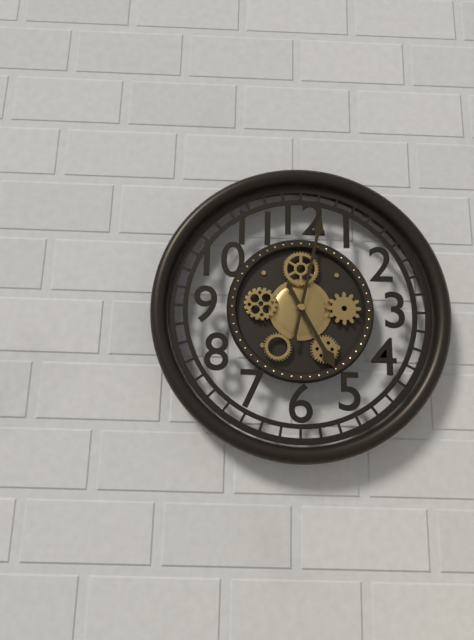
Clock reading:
{"hour": 5, "minute": 2}
